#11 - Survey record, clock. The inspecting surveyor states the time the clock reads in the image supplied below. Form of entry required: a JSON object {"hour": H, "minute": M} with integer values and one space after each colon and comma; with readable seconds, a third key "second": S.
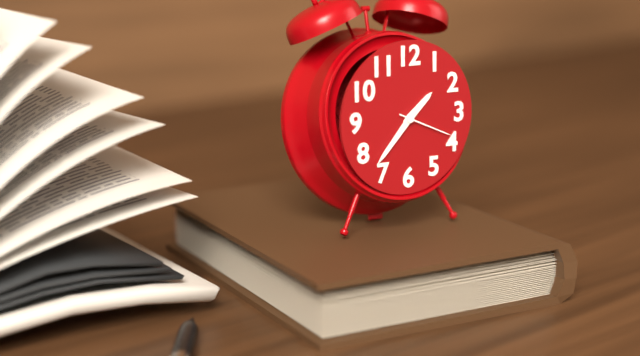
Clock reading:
{"hour": 1, "minute": 37, "second": 19}
